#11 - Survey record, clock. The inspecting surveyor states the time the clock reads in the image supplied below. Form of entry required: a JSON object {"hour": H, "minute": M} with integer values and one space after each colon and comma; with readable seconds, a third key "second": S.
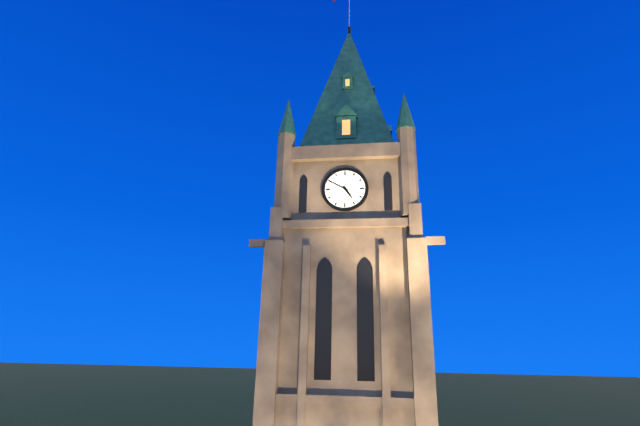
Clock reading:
{"hour": 4, "minute": 50}
